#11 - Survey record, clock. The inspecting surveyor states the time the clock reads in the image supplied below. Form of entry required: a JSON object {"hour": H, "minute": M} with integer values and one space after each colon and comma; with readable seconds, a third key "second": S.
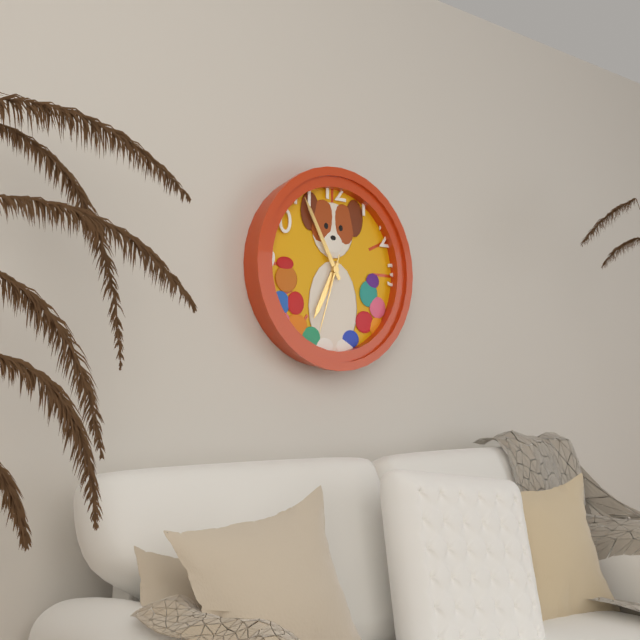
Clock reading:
{"hour": 6, "minute": 55, "second": 33}
